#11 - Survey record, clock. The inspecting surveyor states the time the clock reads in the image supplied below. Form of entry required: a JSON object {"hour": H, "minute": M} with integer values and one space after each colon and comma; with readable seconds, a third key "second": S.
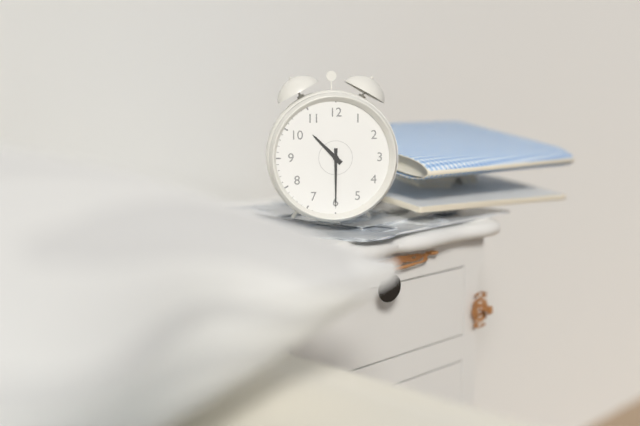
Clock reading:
{"hour": 10, "minute": 30}
